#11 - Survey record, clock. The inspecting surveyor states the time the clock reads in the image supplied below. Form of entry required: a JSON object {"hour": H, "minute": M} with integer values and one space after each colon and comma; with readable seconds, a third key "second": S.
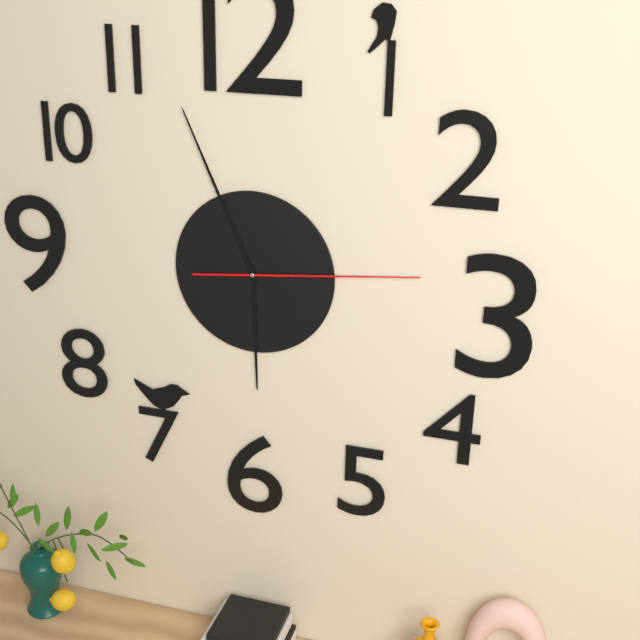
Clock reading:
{"hour": 5, "minute": 56, "second": 14}
